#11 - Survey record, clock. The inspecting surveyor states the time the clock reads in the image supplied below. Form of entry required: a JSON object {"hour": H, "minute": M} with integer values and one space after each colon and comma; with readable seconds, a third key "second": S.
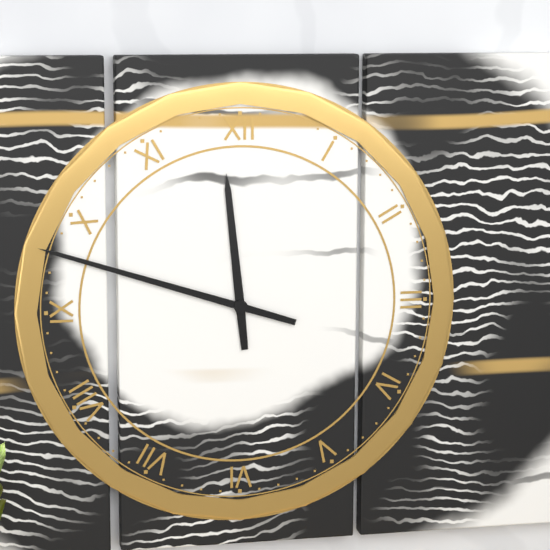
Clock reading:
{"hour": 11, "minute": 48}
